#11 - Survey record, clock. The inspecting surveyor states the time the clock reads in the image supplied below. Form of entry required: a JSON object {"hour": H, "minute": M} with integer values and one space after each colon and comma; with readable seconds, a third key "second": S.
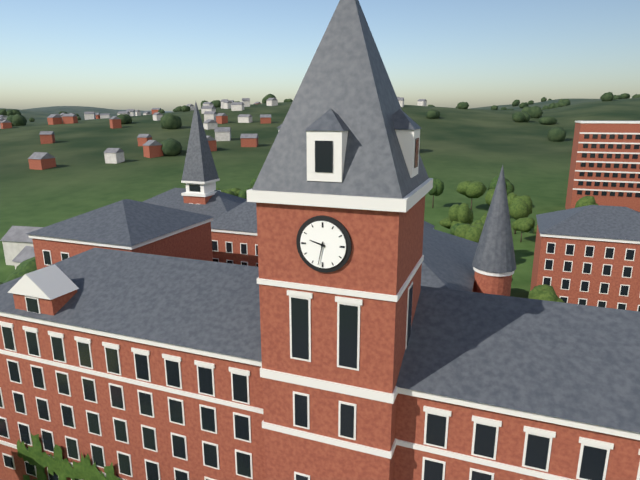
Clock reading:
{"hour": 9, "minute": 32}
